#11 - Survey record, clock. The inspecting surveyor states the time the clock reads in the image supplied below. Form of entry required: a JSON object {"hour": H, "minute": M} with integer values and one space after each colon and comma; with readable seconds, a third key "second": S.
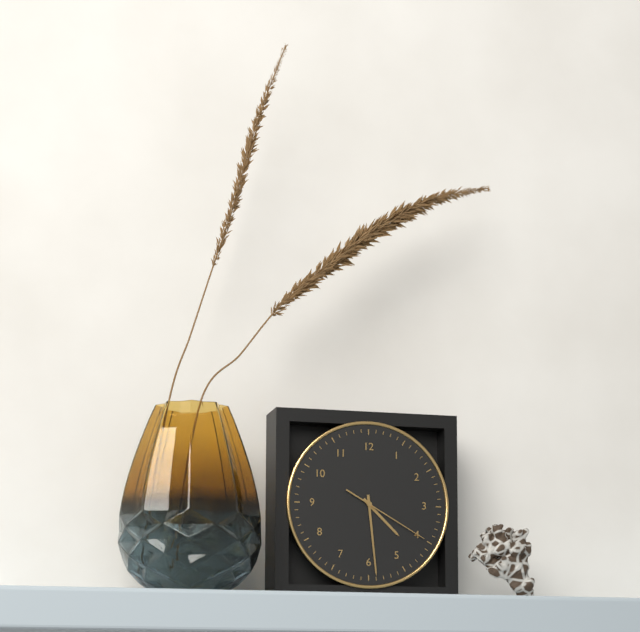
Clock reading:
{"hour": 4, "minute": 29, "second": 20}
